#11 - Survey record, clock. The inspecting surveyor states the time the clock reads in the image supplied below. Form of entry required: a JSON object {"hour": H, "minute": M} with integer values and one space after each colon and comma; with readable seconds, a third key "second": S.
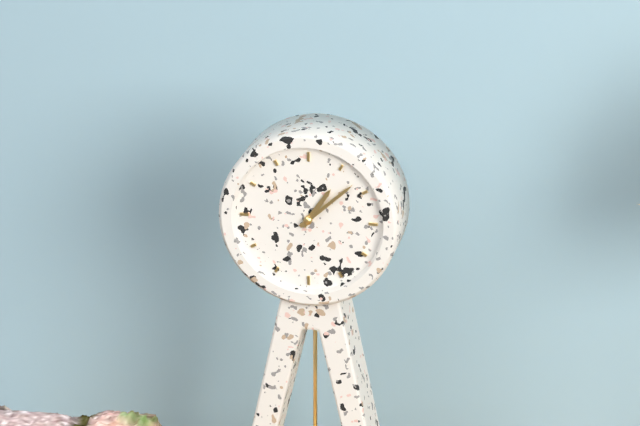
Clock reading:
{"hour": 1, "minute": 8}
